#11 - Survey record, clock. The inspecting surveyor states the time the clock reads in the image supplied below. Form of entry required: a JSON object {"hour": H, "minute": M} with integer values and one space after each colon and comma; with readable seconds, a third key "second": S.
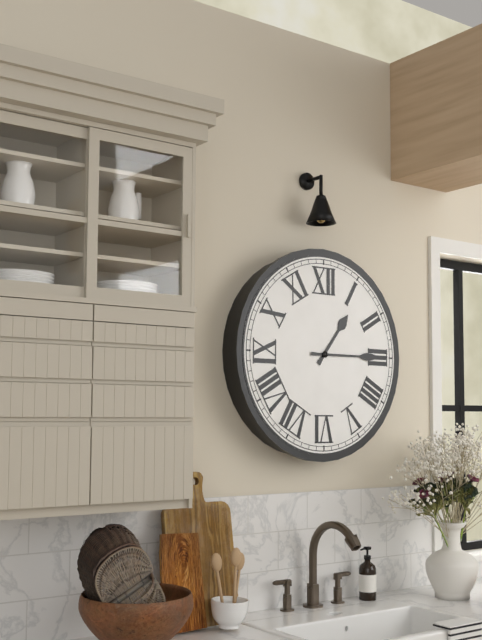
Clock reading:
{"hour": 1, "minute": 15}
